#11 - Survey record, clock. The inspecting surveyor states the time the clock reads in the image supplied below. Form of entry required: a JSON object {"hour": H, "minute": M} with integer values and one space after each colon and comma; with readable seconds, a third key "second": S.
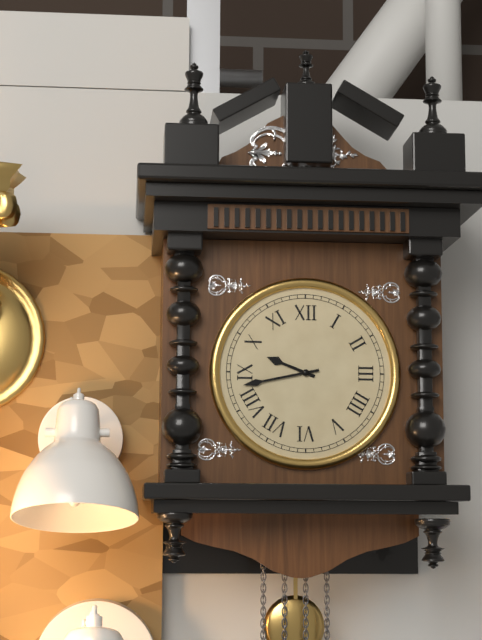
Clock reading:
{"hour": 9, "minute": 43}
